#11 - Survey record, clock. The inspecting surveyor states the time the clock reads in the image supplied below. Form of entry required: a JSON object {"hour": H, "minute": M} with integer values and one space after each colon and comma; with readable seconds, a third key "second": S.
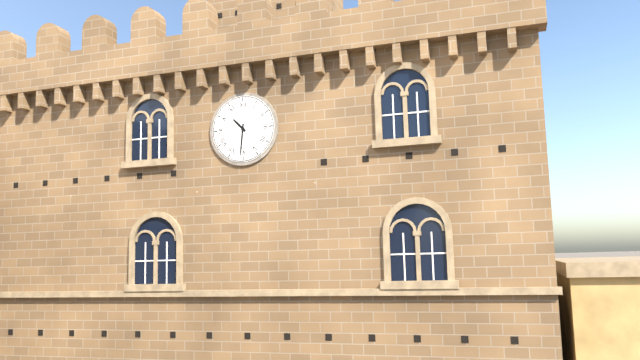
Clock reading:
{"hour": 10, "minute": 31}
